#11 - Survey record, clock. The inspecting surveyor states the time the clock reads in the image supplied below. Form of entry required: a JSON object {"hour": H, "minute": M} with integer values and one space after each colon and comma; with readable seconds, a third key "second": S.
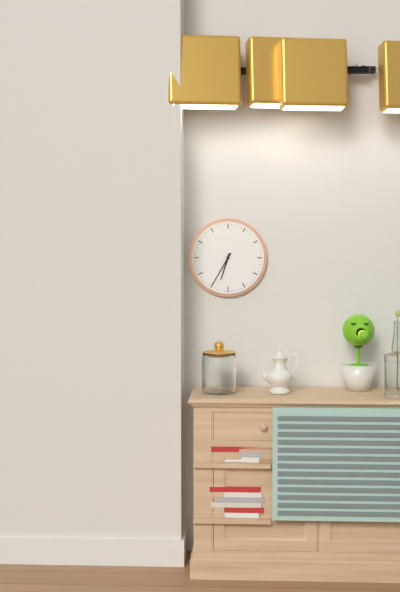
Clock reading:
{"hour": 6, "minute": 35}
